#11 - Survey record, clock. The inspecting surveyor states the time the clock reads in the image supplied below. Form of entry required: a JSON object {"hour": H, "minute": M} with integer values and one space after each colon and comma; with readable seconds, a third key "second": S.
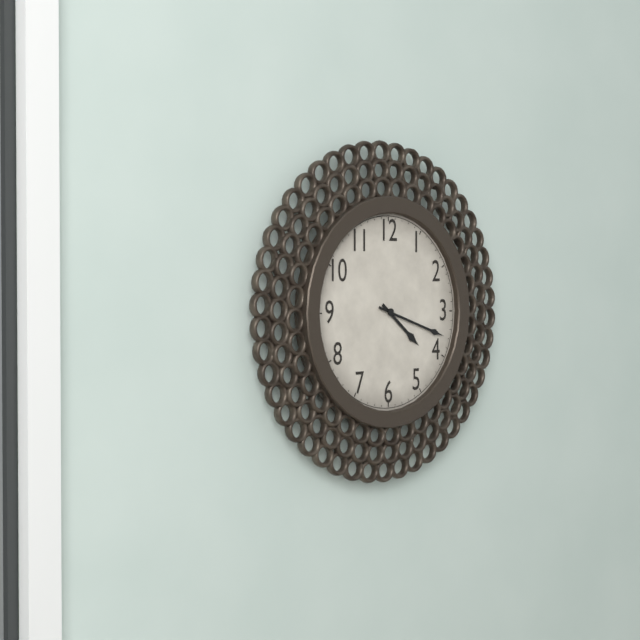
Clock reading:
{"hour": 4, "minute": 18}
